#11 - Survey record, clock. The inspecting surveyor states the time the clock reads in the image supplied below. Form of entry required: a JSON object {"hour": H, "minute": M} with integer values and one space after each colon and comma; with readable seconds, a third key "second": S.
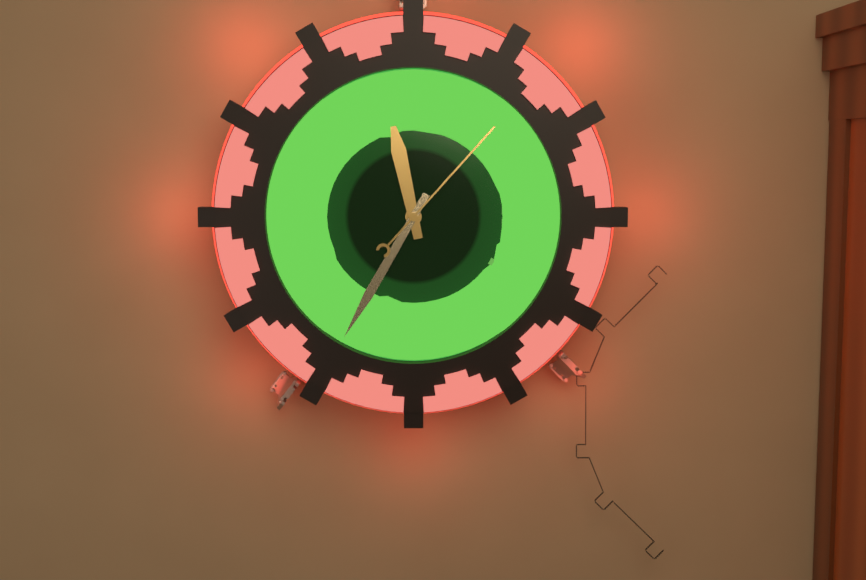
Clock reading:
{"hour": 11, "minute": 35, "second": 7}
